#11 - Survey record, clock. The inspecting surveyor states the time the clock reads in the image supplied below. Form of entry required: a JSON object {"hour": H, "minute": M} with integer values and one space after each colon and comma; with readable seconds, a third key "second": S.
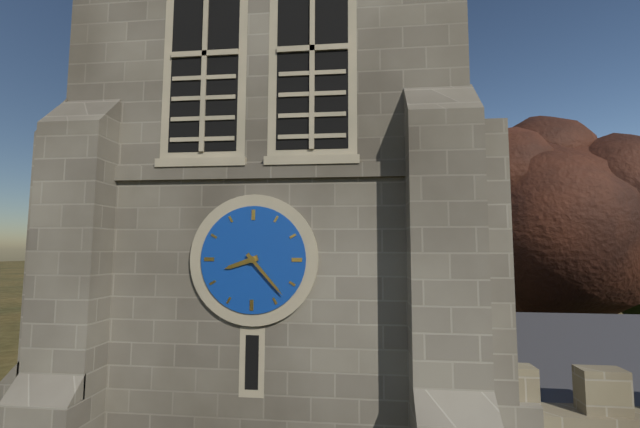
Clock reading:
{"hour": 8, "minute": 23}
